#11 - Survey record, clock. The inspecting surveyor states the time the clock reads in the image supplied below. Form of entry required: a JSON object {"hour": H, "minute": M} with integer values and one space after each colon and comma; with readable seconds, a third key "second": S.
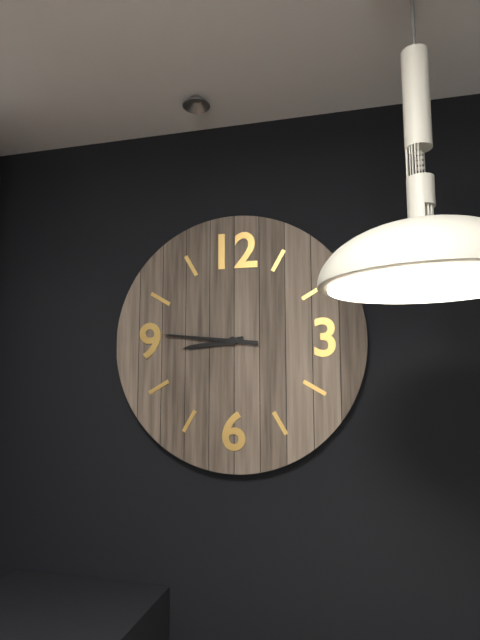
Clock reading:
{"hour": 8, "minute": 46}
